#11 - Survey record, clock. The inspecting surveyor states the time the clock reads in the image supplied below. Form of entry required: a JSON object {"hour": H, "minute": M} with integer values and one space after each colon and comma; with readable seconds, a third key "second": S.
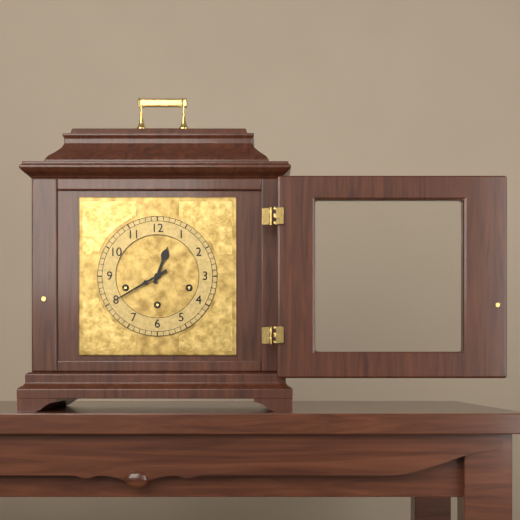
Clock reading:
{"hour": 12, "minute": 40}
